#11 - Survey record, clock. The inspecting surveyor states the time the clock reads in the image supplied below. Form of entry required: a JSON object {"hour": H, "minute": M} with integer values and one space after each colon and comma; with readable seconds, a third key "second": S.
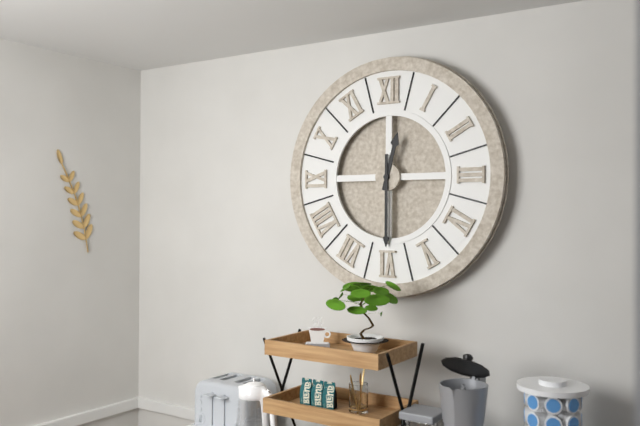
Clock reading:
{"hour": 12, "minute": 30}
